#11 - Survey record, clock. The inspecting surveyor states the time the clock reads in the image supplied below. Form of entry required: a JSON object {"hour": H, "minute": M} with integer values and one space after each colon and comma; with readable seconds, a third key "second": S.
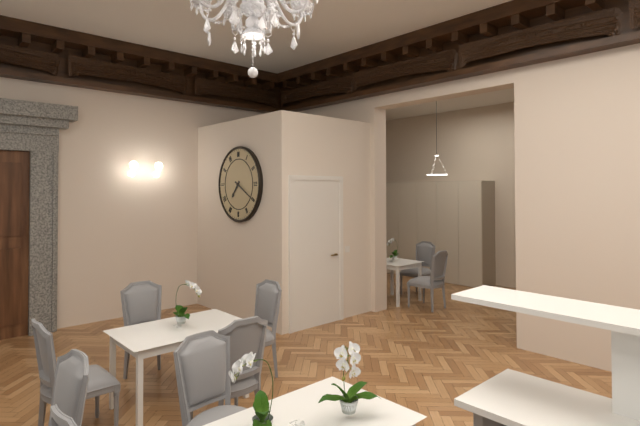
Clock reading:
{"hour": 7, "minute": 20}
